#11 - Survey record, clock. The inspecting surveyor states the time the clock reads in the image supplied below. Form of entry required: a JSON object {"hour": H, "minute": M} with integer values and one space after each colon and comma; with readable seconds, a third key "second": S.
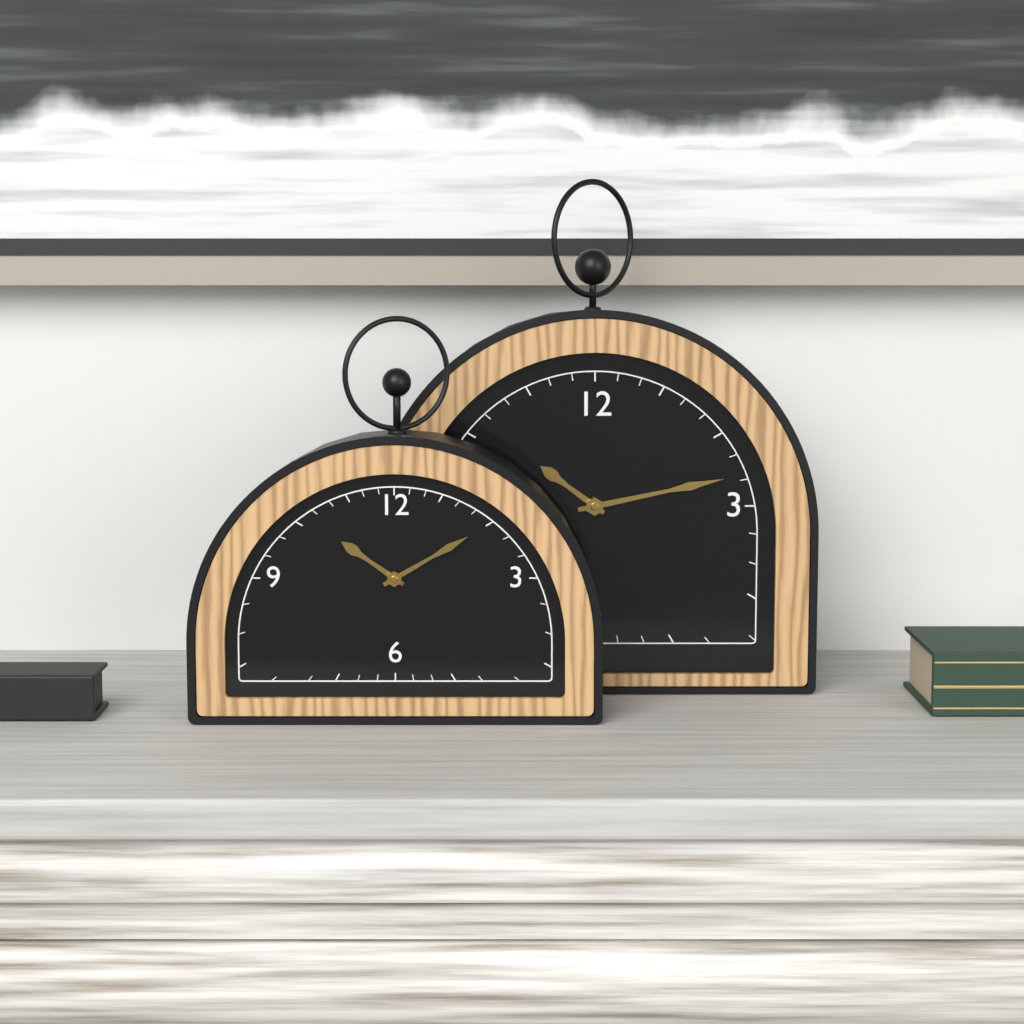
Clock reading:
{"hour": 10, "minute": 10}
